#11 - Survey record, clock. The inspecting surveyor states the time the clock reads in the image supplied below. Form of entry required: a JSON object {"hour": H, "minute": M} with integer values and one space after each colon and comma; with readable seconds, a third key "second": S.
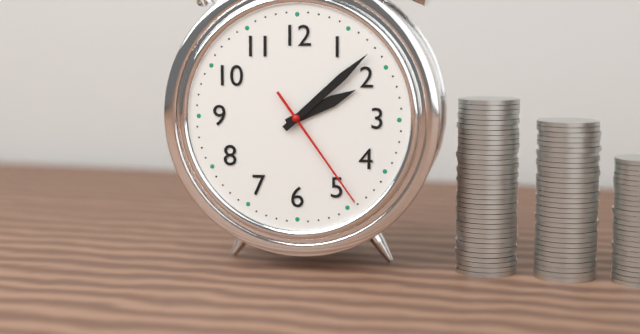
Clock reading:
{"hour": 2, "minute": 8, "second": 24}
